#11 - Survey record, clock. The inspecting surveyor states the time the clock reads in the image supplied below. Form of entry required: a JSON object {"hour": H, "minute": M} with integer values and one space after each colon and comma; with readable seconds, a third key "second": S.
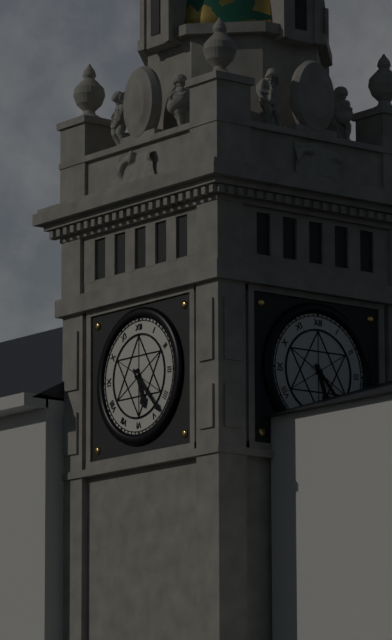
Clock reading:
{"hour": 5, "minute": 23}
